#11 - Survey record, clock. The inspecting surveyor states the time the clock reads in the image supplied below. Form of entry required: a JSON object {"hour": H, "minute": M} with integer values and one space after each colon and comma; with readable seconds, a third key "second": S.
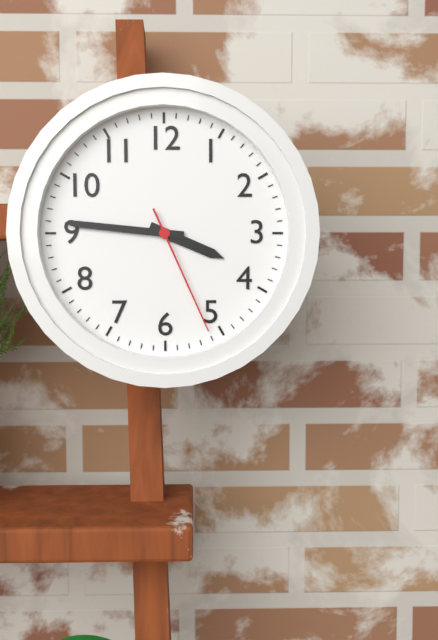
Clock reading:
{"hour": 3, "minute": 46, "second": 26}
